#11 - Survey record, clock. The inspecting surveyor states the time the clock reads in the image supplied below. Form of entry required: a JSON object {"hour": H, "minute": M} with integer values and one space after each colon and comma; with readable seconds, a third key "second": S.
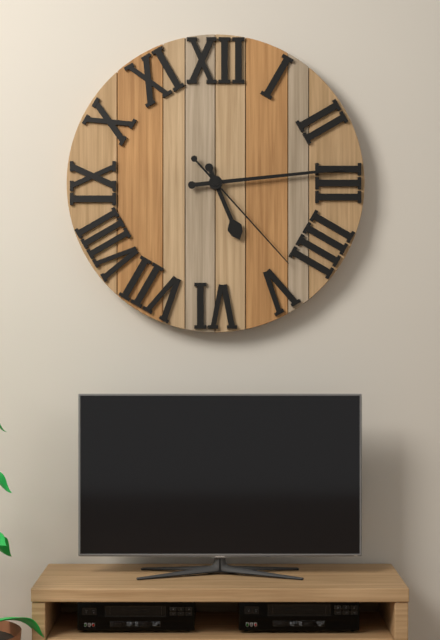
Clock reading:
{"hour": 5, "minute": 14, "second": 23}
